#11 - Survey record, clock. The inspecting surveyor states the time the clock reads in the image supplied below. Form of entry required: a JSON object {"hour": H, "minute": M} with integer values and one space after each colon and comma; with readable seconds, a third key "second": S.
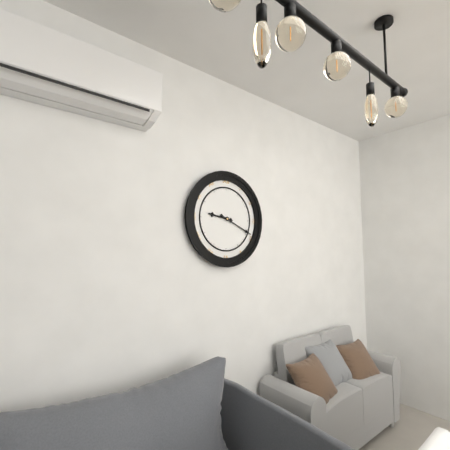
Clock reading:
{"hour": 9, "minute": 19}
